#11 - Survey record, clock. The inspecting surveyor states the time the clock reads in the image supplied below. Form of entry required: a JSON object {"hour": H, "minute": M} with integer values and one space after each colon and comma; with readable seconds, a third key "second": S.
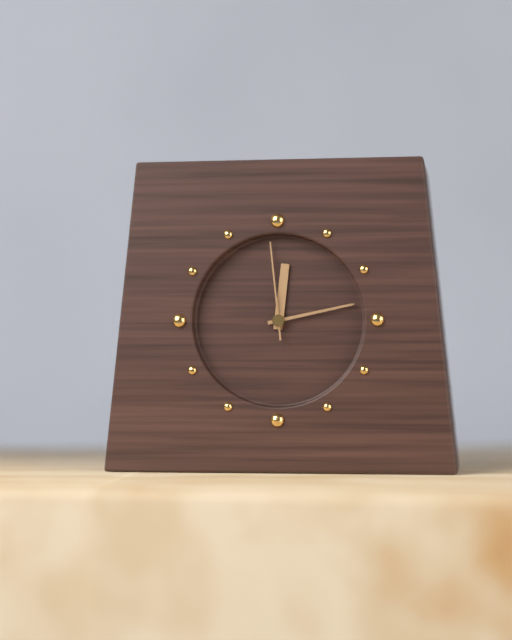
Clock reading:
{"hour": 12, "minute": 13, "second": 59}
